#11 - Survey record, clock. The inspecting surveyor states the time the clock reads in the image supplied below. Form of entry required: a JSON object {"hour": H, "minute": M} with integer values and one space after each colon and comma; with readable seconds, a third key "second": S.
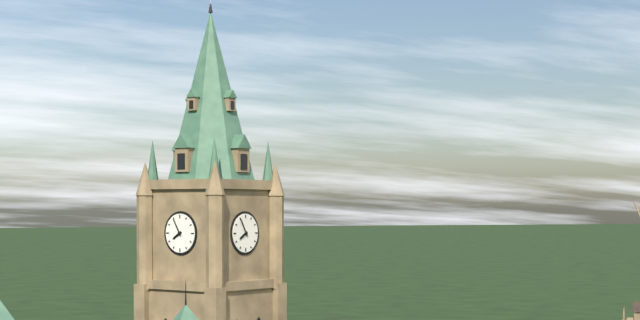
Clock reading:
{"hour": 7, "minute": 55}
